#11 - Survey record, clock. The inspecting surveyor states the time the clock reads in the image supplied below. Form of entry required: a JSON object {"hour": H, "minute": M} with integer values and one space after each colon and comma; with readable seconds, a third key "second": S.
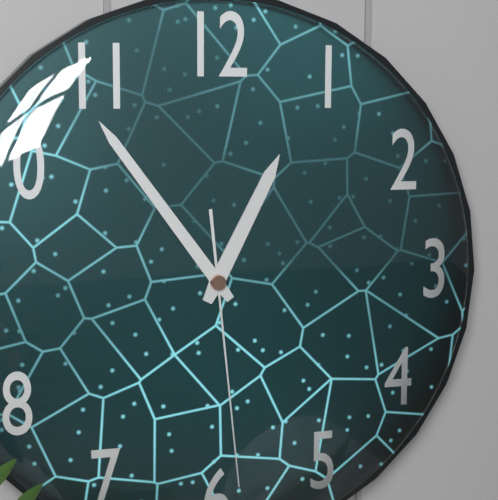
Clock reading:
{"hour": 12, "minute": 54, "second": 29}
